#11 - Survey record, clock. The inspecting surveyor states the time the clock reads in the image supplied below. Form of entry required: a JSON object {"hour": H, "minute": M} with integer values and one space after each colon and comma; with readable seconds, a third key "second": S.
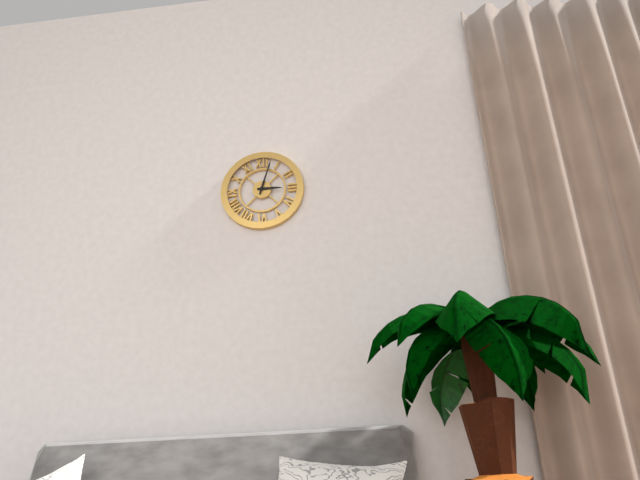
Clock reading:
{"hour": 3, "minute": 3}
